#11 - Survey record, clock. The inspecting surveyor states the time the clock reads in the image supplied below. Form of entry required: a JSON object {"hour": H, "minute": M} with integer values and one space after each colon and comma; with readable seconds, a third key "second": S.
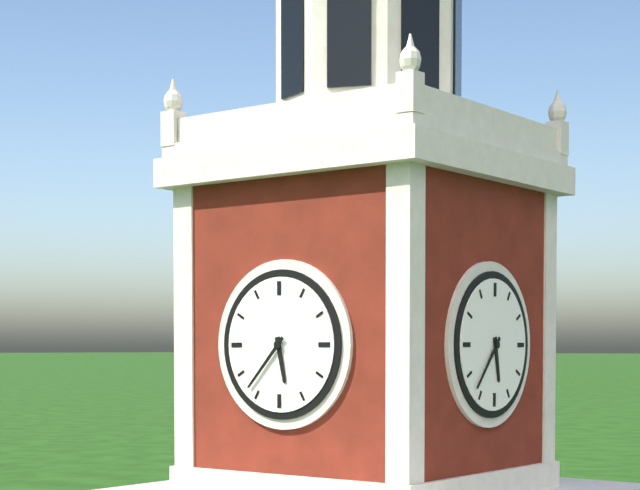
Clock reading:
{"hour": 5, "minute": 37}
